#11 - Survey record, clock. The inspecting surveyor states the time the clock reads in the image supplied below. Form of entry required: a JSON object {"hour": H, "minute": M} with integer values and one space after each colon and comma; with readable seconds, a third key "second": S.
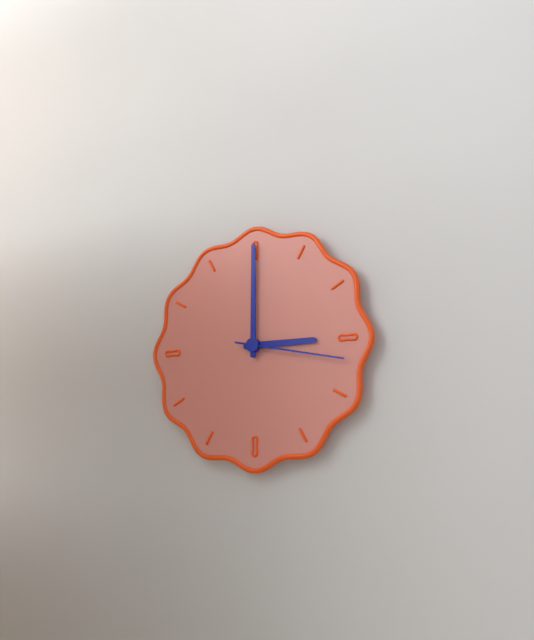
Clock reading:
{"hour": 3, "minute": 0, "second": 17}
